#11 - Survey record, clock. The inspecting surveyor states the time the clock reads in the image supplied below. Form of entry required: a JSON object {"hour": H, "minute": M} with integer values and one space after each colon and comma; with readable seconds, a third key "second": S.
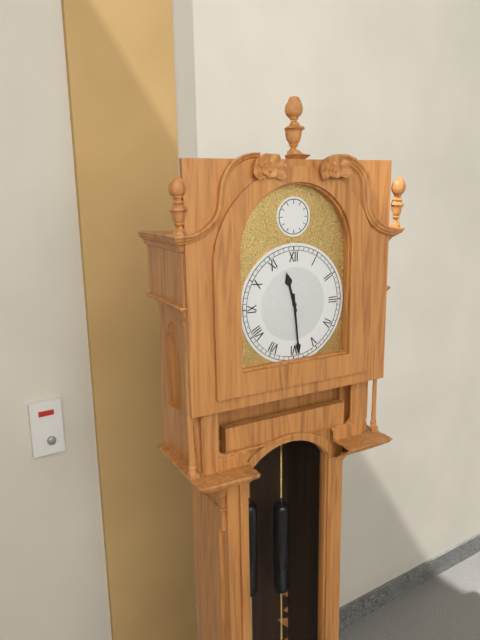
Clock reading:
{"hour": 11, "minute": 29}
